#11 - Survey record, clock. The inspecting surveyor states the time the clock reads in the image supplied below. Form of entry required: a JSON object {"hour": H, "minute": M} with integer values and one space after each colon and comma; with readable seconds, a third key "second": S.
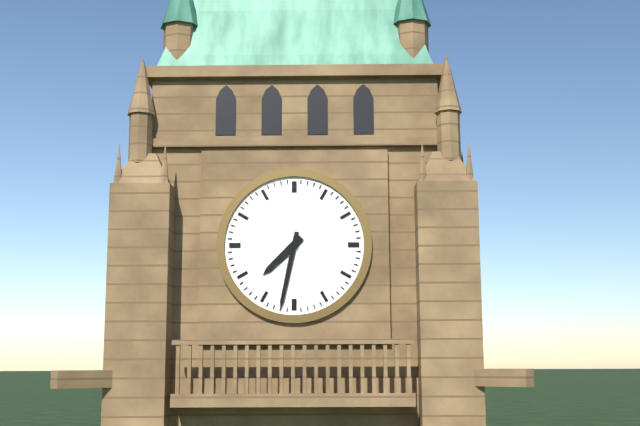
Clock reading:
{"hour": 7, "minute": 32}
